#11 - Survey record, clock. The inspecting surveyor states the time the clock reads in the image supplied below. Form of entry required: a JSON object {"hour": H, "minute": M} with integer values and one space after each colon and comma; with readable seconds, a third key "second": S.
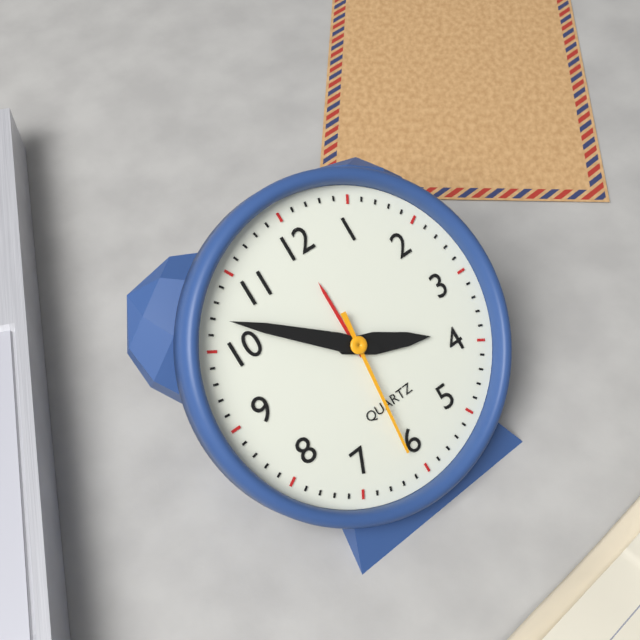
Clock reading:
{"hour": 3, "minute": 52, "second": 31}
